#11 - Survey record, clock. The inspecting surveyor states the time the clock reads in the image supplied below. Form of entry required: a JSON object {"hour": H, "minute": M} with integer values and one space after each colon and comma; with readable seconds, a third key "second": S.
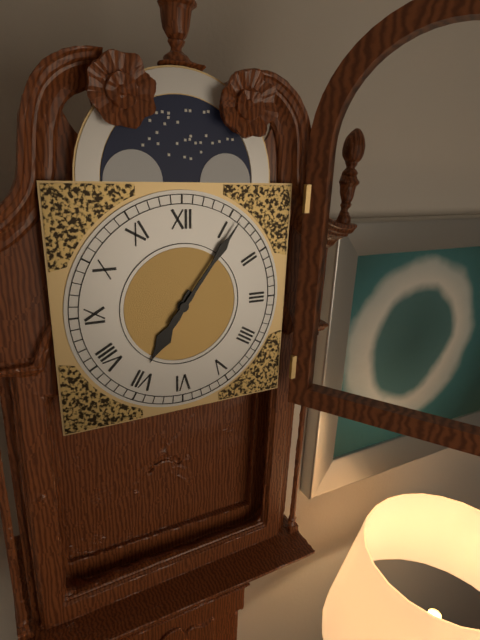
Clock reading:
{"hour": 7, "minute": 6}
